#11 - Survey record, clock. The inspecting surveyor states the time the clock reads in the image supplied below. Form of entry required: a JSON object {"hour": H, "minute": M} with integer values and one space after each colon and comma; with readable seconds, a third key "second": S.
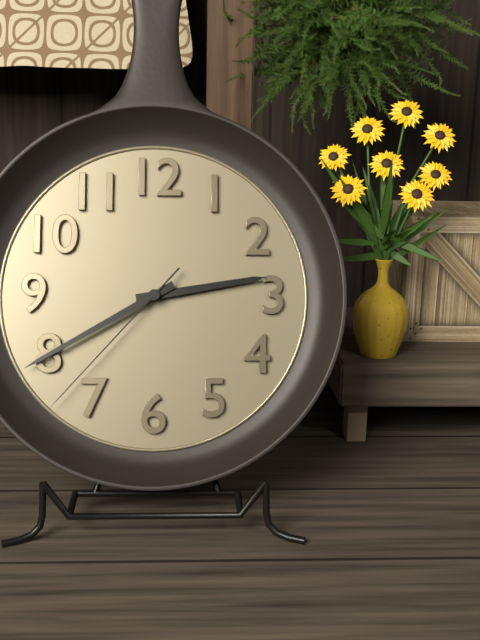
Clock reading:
{"hour": 2, "minute": 40, "second": 37}
